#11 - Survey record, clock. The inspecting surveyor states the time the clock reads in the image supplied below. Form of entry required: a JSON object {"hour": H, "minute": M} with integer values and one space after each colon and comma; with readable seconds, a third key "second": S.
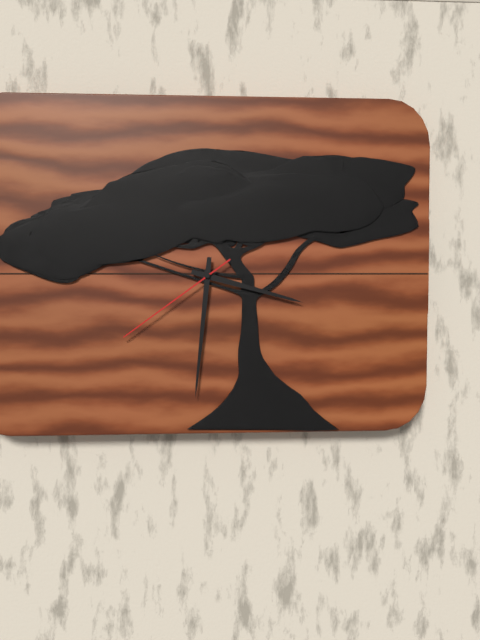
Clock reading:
{"hour": 3, "minute": 31, "second": 39}
